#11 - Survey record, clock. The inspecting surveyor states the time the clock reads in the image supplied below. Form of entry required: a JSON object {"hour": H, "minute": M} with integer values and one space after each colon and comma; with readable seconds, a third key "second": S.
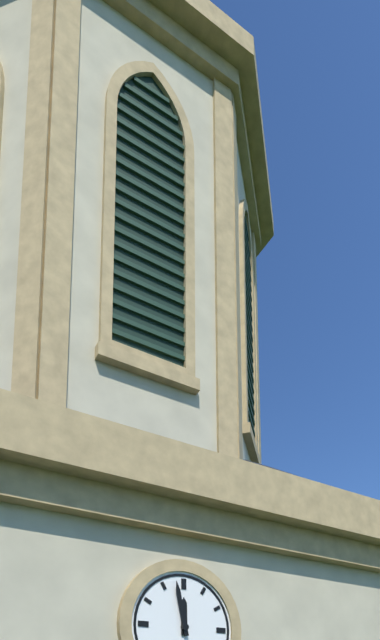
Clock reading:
{"hour": 11, "minute": 58}
